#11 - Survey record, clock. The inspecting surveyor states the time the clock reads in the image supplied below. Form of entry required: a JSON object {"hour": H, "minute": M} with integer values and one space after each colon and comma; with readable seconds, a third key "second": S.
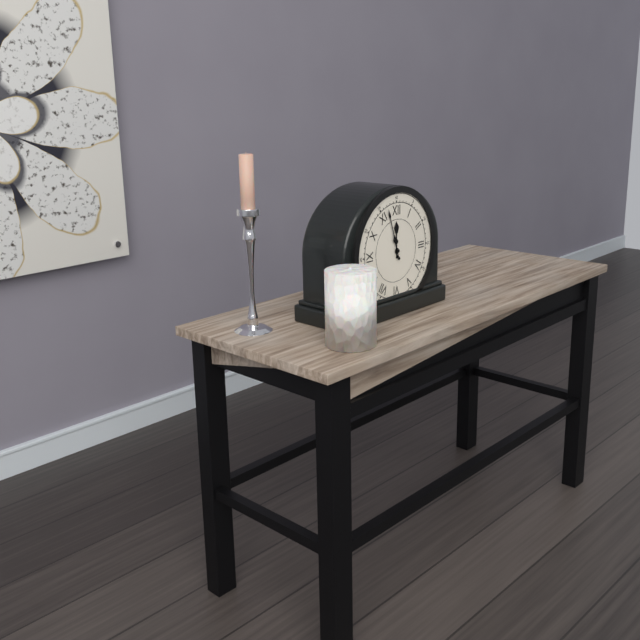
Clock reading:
{"hour": 11, "minute": 57}
